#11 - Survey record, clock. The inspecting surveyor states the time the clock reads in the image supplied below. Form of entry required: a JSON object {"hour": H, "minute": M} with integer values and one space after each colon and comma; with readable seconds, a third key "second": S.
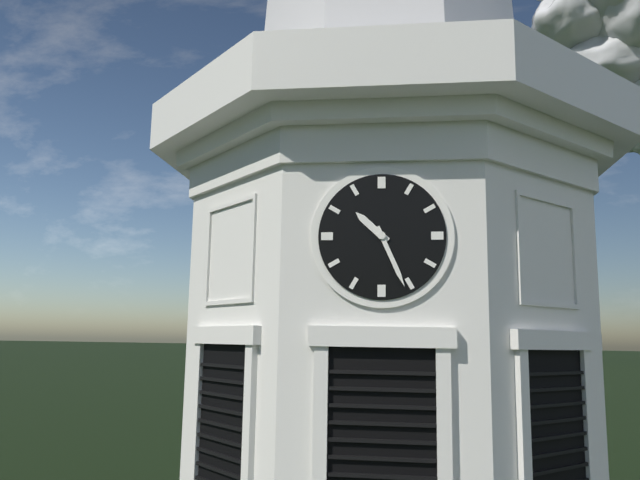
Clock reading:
{"hour": 10, "minute": 26}
